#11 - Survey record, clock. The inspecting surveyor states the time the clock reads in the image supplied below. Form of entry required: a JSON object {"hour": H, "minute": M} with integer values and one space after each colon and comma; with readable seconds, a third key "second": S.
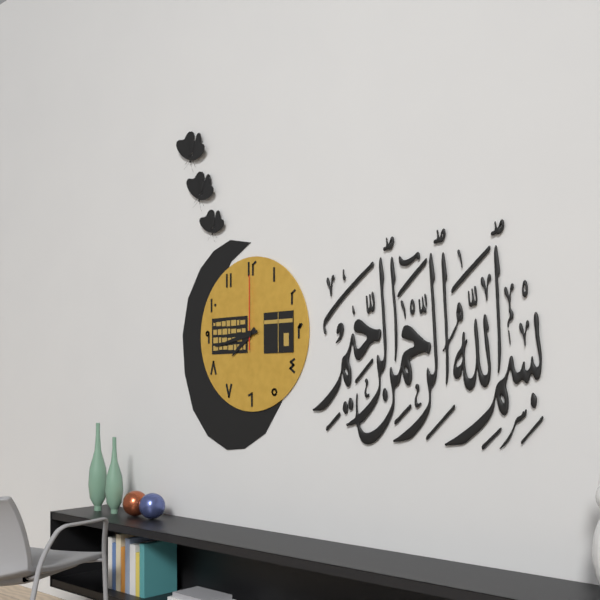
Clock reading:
{"hour": 7, "minute": 43, "second": 0}
